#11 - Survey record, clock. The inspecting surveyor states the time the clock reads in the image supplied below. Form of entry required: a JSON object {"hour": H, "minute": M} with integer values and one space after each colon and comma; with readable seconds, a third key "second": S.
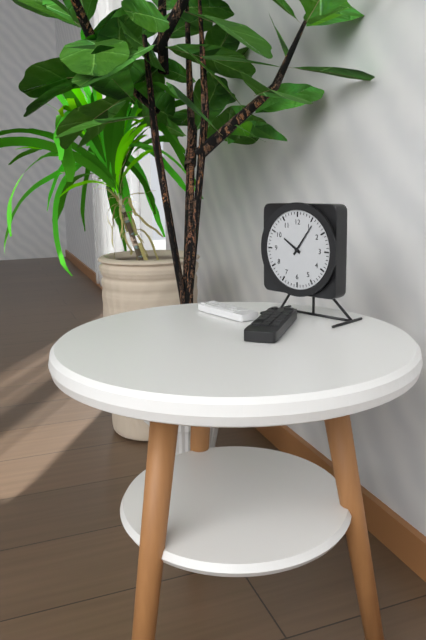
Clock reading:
{"hour": 10, "minute": 6}
